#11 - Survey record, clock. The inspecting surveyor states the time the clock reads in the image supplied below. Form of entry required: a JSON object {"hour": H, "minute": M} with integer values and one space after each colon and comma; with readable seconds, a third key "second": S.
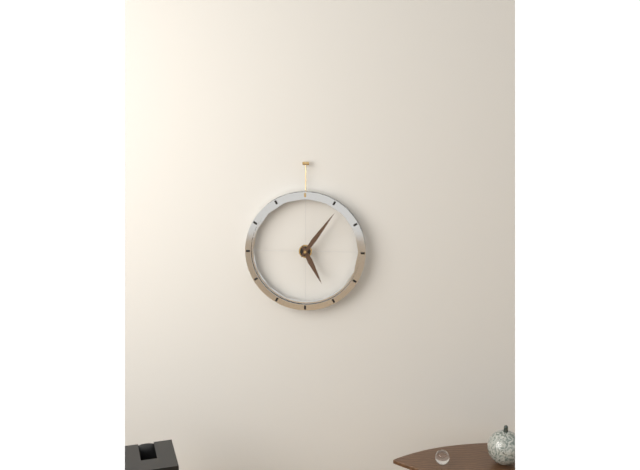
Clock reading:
{"hour": 5, "minute": 6}
